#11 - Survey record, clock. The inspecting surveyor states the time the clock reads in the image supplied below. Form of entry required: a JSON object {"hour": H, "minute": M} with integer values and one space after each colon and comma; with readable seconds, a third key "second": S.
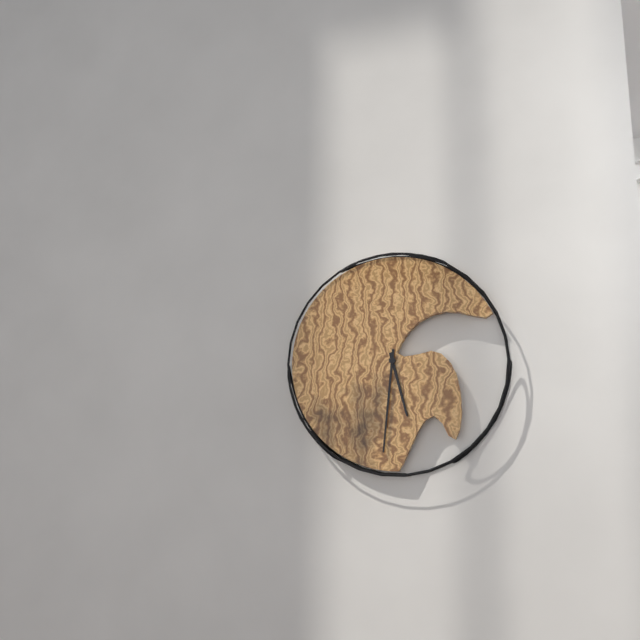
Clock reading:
{"hour": 5, "minute": 31}
